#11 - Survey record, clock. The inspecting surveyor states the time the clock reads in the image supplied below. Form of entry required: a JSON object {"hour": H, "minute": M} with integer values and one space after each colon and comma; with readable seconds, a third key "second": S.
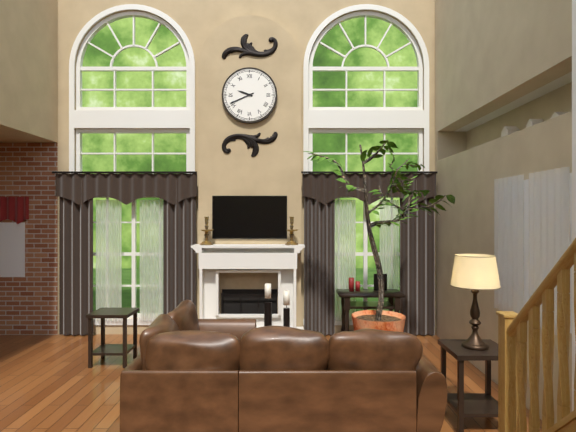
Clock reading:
{"hour": 9, "minute": 41}
